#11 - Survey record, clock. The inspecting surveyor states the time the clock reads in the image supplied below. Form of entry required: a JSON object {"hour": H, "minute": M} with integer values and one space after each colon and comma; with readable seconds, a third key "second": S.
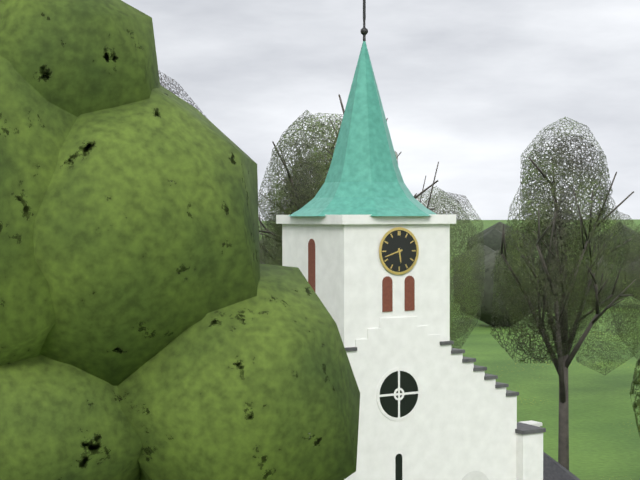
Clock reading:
{"hour": 5, "minute": 42}
